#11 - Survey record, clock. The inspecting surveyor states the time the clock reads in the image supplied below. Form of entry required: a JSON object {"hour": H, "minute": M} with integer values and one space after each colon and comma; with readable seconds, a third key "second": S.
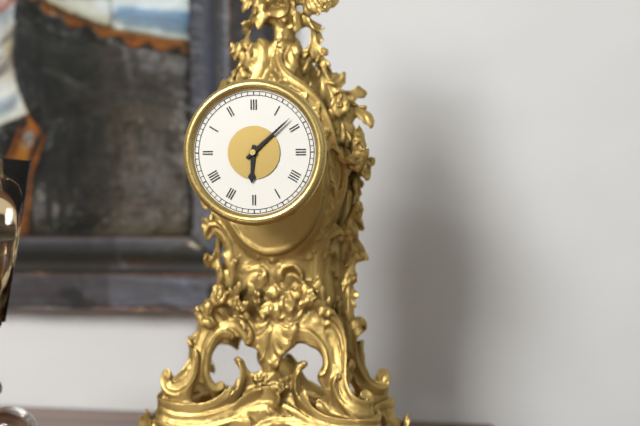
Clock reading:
{"hour": 6, "minute": 8}
